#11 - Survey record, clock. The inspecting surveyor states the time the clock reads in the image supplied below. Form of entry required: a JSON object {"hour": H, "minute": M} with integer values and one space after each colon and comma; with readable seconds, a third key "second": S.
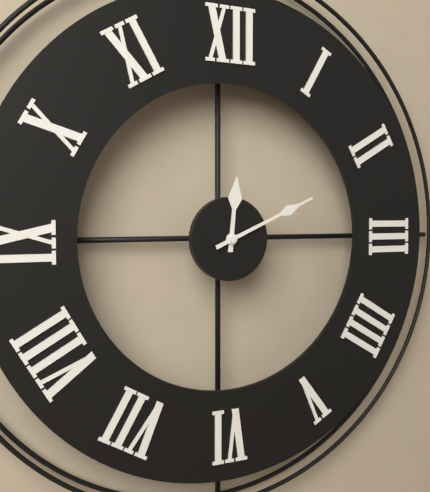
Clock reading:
{"hour": 12, "minute": 11}
